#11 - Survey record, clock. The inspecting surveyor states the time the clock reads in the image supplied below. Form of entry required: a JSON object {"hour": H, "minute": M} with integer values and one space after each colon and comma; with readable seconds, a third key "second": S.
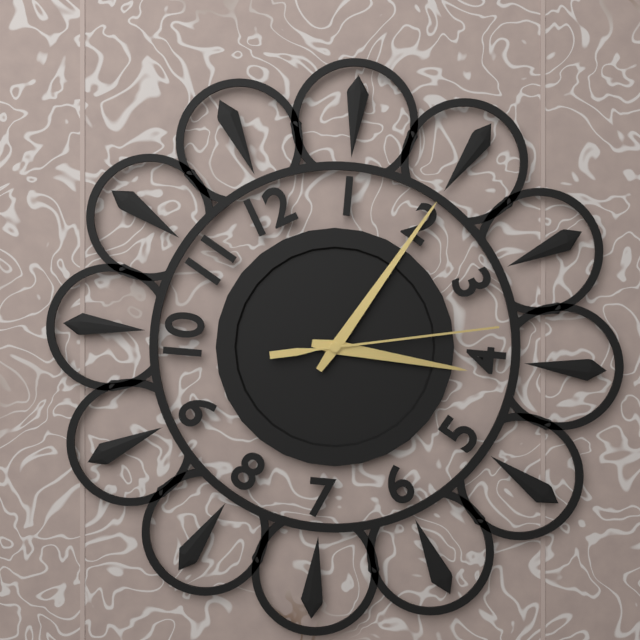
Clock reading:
{"hour": 4, "minute": 10, "second": 18}
